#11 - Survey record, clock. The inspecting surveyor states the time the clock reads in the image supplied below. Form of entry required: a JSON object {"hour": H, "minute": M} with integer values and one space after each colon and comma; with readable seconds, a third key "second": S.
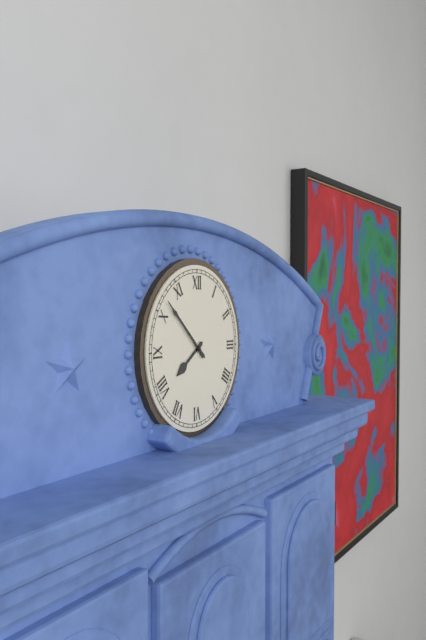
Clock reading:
{"hour": 7, "minute": 52}
